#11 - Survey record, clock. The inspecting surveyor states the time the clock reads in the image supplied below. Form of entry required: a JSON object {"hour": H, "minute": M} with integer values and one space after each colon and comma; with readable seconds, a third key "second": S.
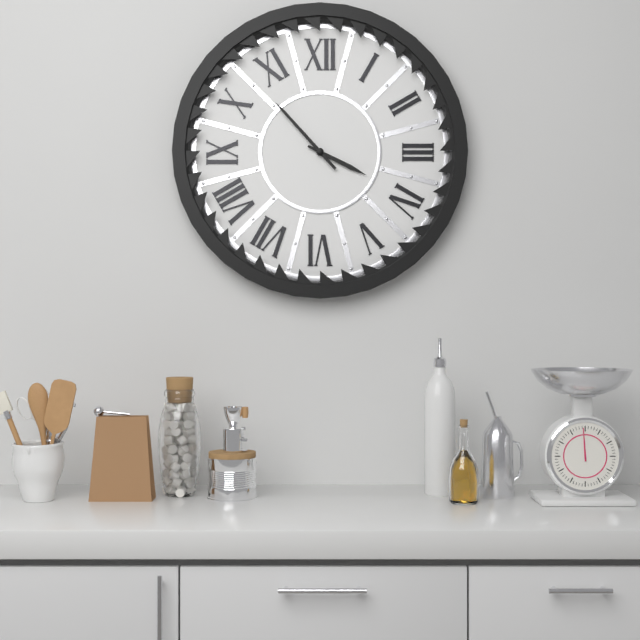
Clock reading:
{"hour": 3, "minute": 53}
